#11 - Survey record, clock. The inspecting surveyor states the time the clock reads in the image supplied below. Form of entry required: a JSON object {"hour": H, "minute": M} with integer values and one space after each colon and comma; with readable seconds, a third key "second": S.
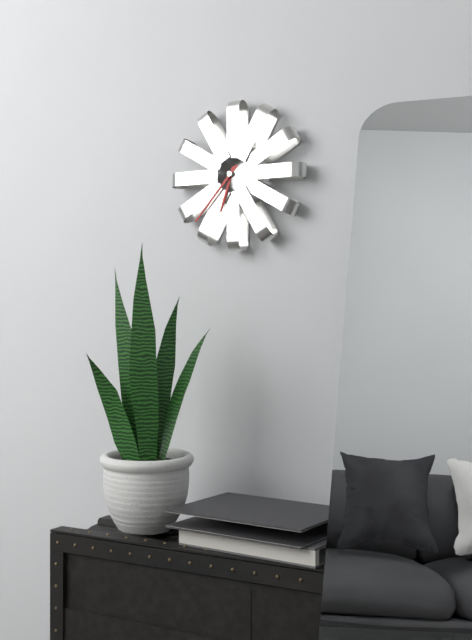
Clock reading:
{"hour": 6, "minute": 37}
